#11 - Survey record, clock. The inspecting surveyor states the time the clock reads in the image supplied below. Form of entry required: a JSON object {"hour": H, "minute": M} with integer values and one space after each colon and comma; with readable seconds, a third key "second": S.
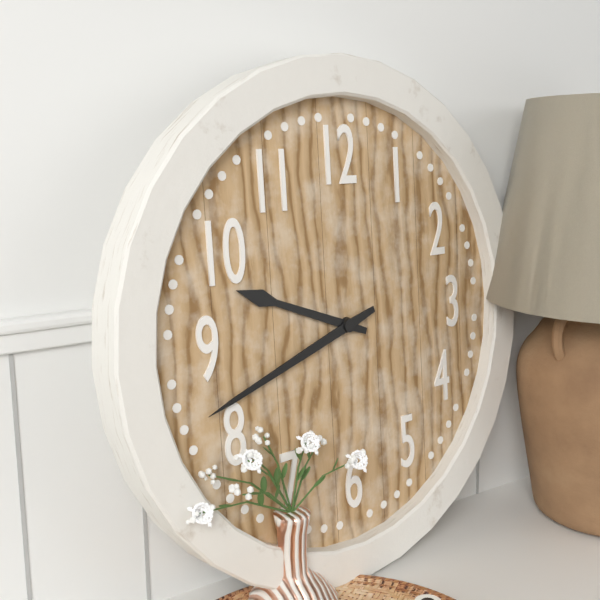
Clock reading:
{"hour": 9, "minute": 42}
